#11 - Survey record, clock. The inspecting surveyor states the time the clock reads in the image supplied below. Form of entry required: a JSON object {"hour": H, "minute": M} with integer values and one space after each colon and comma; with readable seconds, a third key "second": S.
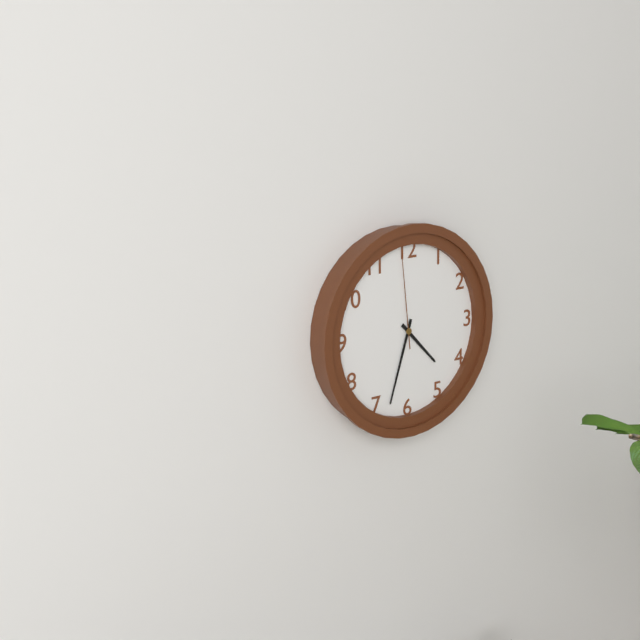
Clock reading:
{"hour": 4, "minute": 33, "second": 59}
